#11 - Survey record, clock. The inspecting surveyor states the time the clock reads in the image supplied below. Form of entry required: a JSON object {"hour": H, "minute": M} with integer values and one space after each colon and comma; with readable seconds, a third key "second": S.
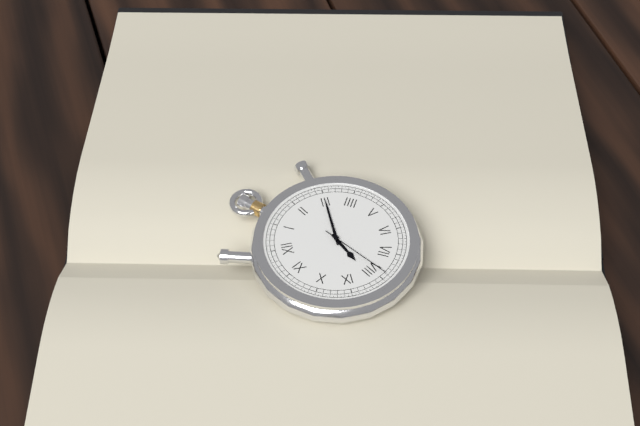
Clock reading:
{"hour": 8, "minute": 15, "second": 39}
